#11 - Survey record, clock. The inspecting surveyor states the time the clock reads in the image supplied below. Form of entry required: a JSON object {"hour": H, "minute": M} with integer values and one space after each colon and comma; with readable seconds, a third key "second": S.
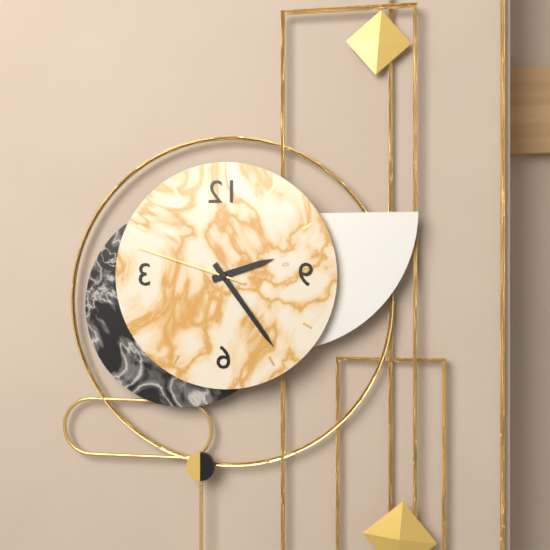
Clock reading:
{"hour": 2, "minute": 24, "second": 48}
